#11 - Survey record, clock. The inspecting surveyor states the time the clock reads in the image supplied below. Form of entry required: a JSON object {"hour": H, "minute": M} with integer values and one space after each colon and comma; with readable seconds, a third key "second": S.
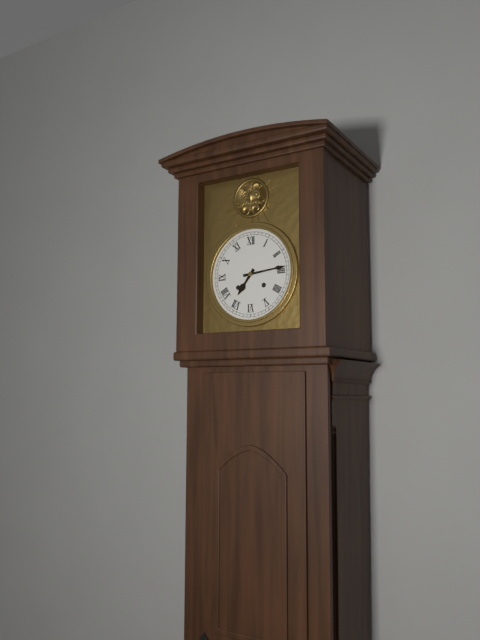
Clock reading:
{"hour": 7, "minute": 14}
